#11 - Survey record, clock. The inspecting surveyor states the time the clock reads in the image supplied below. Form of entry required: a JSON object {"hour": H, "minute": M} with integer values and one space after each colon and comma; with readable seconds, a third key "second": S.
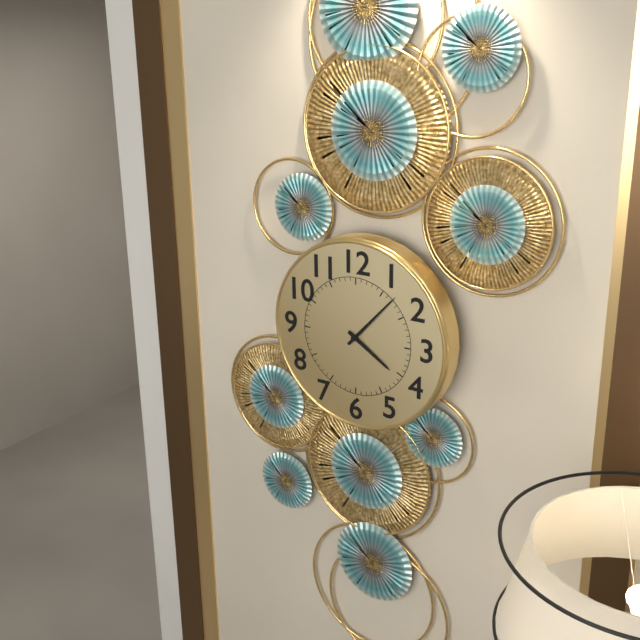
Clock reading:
{"hour": 4, "minute": 7}
